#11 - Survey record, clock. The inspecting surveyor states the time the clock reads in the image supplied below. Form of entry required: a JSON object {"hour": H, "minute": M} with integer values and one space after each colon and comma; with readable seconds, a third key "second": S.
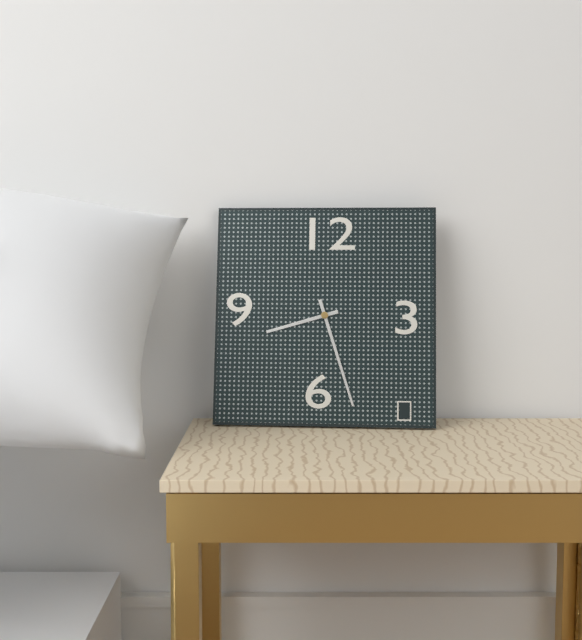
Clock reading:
{"hour": 8, "minute": 27}
